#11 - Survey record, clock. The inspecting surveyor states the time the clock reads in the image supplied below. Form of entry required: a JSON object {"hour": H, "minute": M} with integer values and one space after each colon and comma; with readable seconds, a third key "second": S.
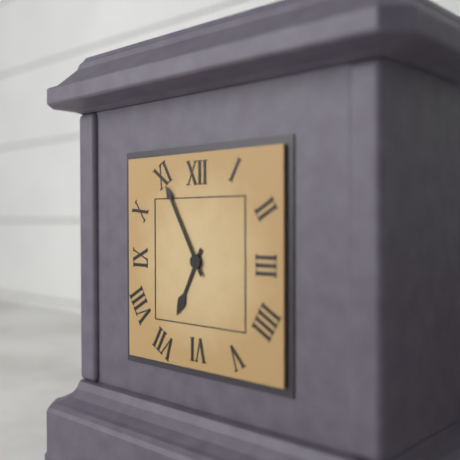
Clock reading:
{"hour": 6, "minute": 55}
